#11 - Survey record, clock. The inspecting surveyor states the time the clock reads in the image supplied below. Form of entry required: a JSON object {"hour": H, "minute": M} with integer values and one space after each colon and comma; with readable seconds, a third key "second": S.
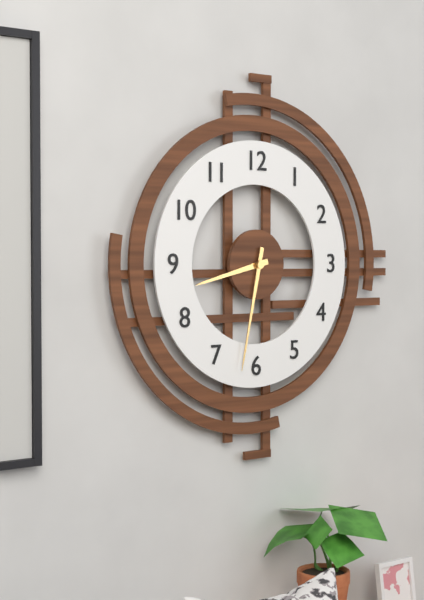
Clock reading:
{"hour": 8, "minute": 32}
